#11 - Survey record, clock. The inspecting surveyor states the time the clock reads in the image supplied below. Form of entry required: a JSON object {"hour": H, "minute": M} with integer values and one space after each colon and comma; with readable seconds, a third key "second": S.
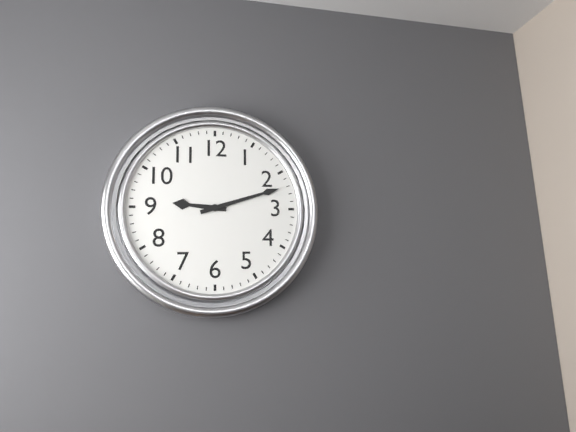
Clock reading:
{"hour": 9, "minute": 12}
